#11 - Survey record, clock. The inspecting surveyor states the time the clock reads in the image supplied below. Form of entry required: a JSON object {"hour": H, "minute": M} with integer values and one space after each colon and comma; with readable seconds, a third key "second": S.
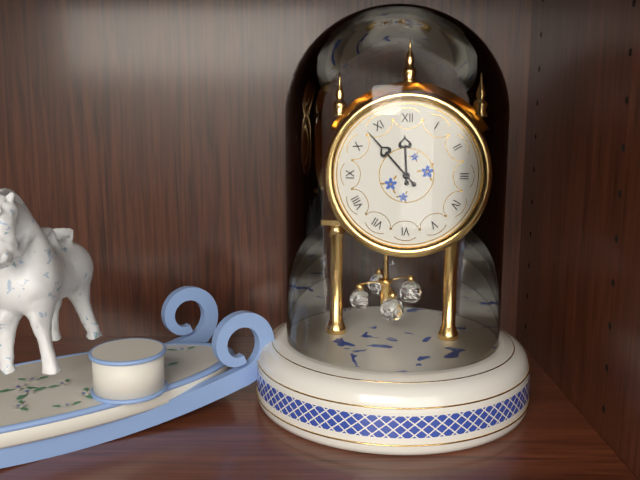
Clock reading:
{"hour": 11, "minute": 53}
